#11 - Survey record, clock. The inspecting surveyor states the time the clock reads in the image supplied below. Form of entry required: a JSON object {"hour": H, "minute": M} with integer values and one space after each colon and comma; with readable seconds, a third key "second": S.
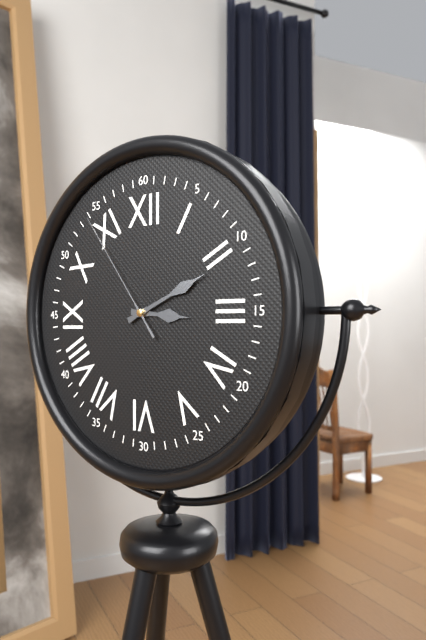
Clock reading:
{"hour": 3, "minute": 11, "second": 54}
